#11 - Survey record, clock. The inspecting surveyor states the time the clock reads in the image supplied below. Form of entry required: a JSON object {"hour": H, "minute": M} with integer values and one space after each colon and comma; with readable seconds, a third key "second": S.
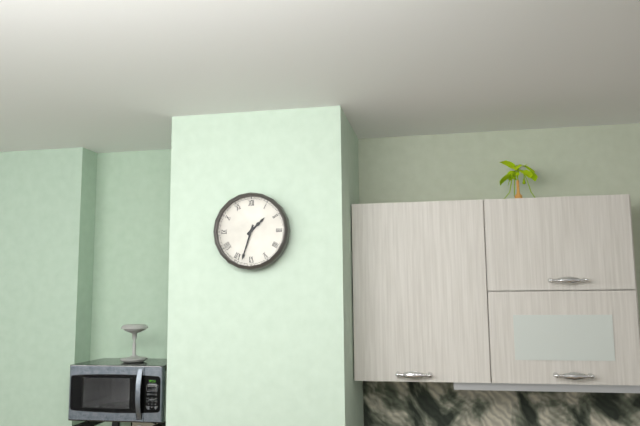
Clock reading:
{"hour": 1, "minute": 33}
